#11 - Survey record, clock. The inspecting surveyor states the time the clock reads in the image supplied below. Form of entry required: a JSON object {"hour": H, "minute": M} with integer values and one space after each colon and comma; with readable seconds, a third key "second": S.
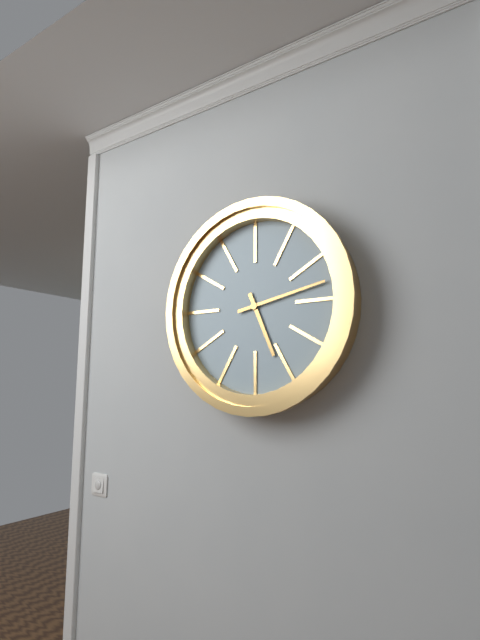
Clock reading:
{"hour": 5, "minute": 13}
